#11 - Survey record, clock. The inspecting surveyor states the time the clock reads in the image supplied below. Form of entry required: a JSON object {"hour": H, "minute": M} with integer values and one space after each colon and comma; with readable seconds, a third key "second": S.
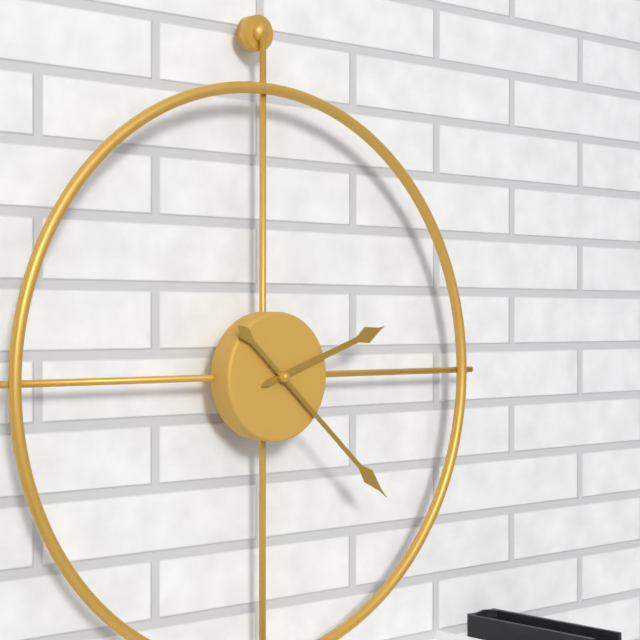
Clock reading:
{"hour": 2, "minute": 22}
